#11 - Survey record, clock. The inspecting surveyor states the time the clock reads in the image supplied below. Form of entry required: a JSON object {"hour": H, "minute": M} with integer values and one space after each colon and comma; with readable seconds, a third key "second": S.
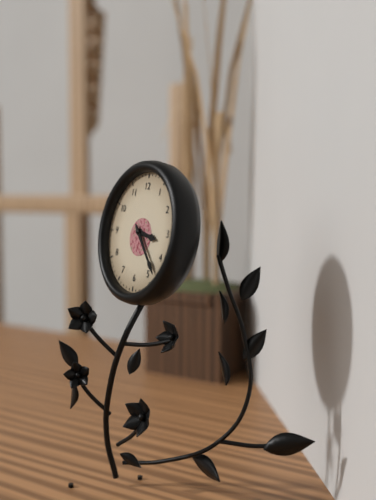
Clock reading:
{"hour": 3, "minute": 23}
